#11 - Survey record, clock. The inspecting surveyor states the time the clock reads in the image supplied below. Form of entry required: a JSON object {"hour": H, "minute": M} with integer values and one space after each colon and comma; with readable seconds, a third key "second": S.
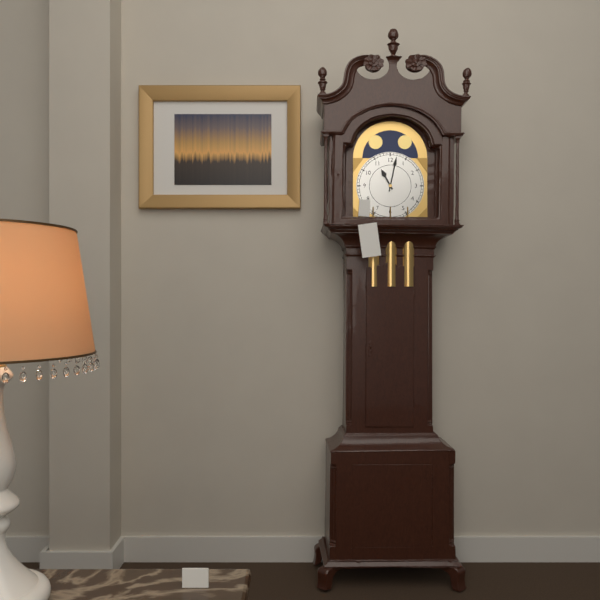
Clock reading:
{"hour": 11, "minute": 2}
